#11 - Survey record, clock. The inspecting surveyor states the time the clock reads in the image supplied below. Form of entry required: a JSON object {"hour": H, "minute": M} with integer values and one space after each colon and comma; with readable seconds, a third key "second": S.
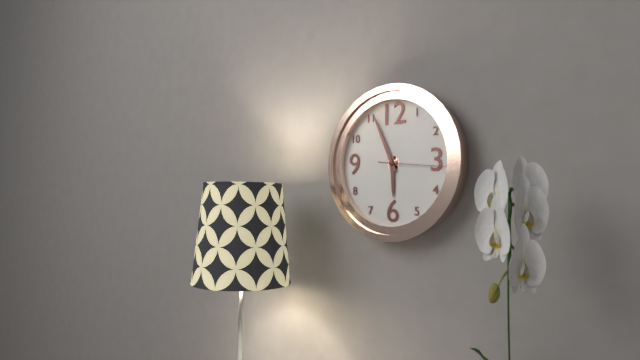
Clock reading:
{"hour": 5, "minute": 56, "second": 16}
